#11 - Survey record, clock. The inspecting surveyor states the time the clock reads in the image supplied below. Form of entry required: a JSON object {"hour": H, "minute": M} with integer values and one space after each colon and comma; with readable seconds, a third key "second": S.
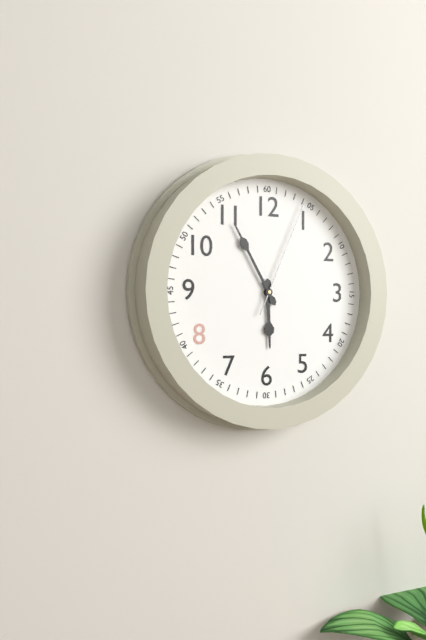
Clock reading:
{"hour": 5, "minute": 55, "second": 4}
